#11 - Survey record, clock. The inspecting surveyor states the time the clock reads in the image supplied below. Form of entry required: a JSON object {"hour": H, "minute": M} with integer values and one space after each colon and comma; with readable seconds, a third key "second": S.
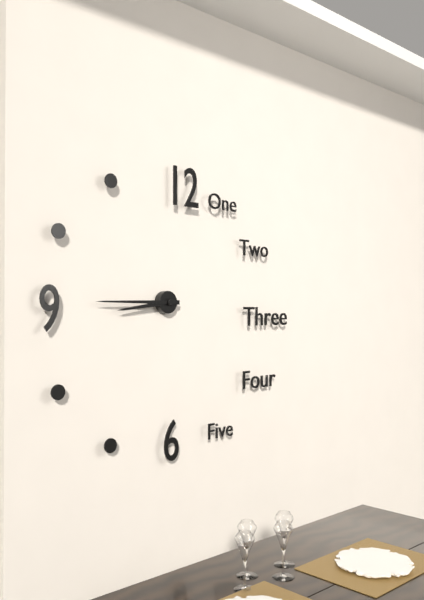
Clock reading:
{"hour": 8, "minute": 45}
